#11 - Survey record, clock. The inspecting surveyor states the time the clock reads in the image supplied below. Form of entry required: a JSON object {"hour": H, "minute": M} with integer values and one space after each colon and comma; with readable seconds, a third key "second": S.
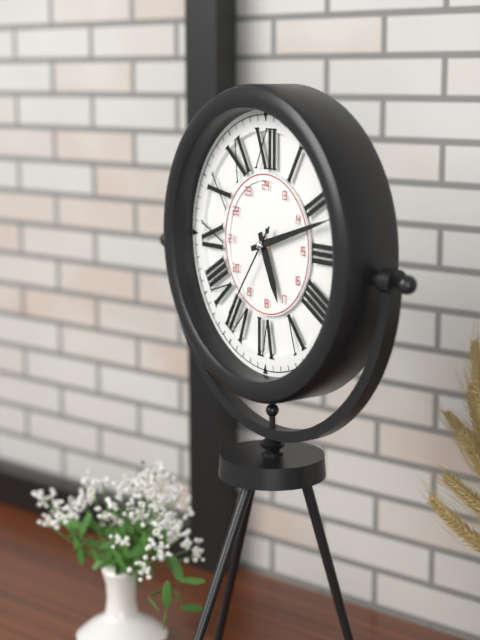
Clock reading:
{"hour": 5, "minute": 12, "second": 36}
